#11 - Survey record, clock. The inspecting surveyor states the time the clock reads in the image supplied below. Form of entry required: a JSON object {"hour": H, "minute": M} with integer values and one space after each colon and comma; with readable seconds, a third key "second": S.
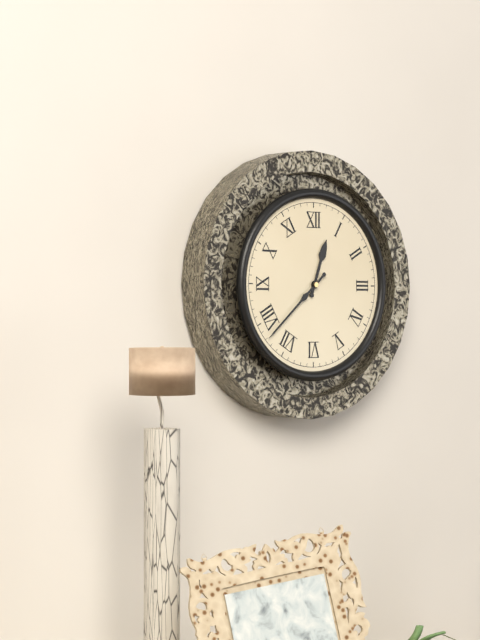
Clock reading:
{"hour": 12, "minute": 38}
